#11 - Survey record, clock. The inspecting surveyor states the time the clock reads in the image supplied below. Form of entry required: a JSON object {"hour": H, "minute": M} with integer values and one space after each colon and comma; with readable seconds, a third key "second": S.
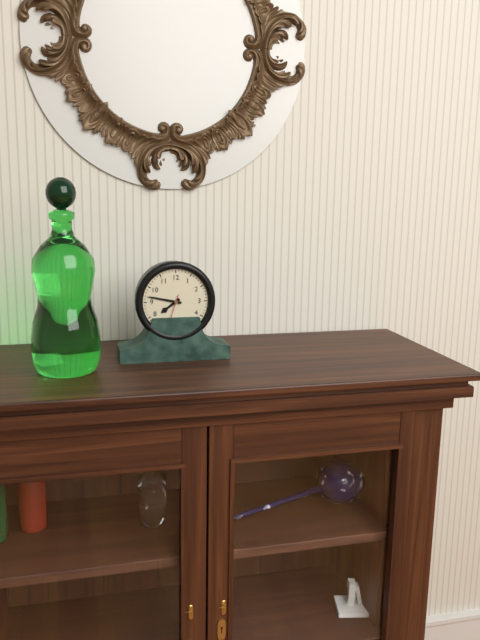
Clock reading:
{"hour": 7, "minute": 47}
